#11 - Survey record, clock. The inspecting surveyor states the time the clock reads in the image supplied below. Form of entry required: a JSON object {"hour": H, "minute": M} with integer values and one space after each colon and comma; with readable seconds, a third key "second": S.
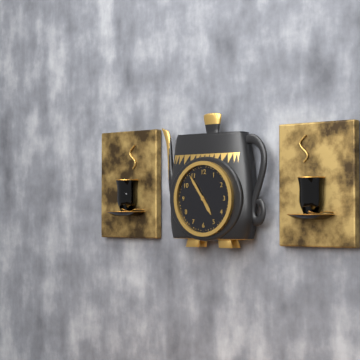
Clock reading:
{"hour": 4, "minute": 54}
